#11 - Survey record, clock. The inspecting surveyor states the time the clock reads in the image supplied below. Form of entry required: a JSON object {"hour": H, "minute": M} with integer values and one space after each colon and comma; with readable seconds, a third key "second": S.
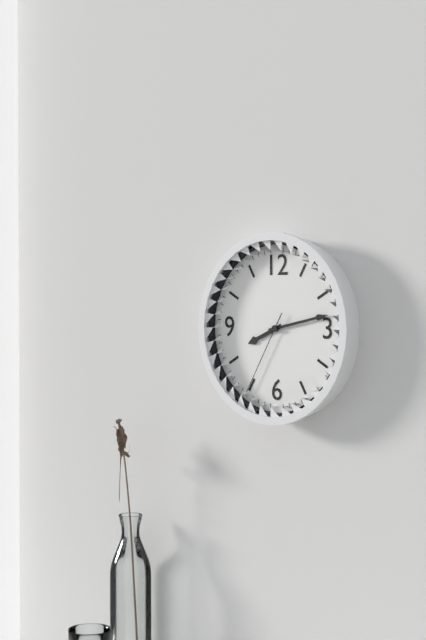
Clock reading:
{"hour": 8, "minute": 13, "second": 35}
